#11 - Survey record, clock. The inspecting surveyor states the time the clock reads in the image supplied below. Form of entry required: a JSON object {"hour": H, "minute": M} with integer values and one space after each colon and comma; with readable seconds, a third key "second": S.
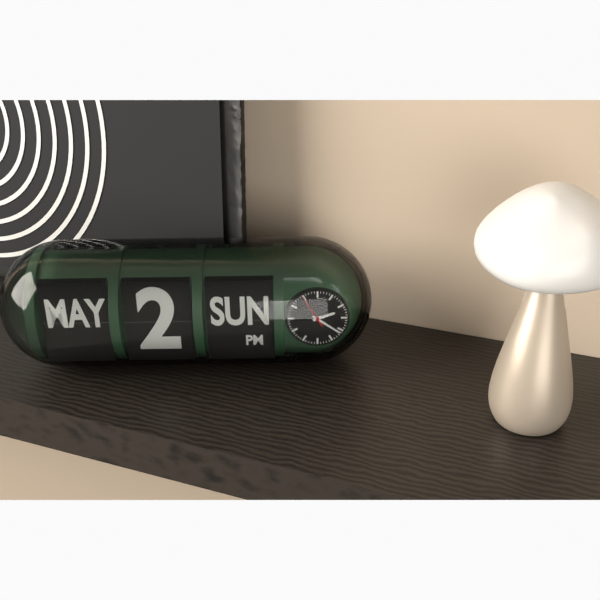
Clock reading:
{"hour": 2, "minute": 21}
